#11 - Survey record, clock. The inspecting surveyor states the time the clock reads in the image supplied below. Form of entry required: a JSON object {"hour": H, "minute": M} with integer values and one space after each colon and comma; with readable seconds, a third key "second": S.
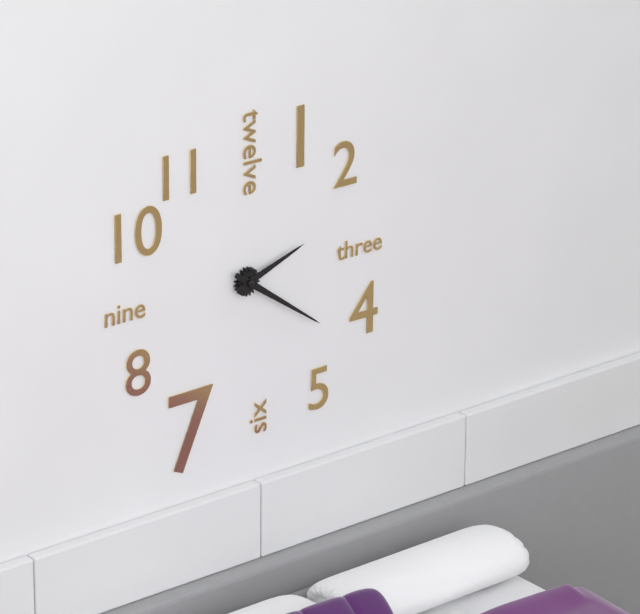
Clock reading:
{"hour": 2, "minute": 21}
